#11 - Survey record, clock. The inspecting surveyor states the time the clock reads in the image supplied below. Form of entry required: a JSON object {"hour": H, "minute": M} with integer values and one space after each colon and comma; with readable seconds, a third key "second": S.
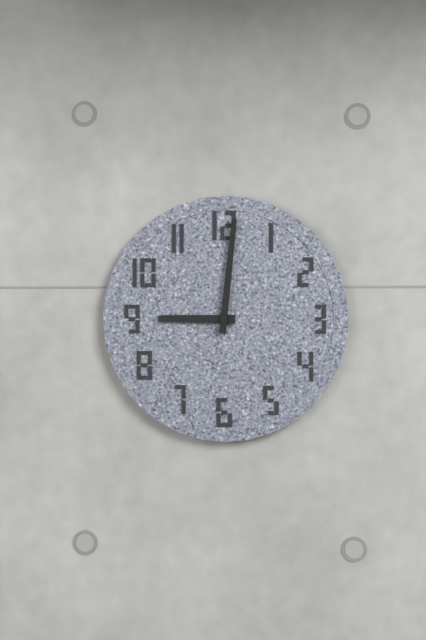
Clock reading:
{"hour": 9, "minute": 1}
